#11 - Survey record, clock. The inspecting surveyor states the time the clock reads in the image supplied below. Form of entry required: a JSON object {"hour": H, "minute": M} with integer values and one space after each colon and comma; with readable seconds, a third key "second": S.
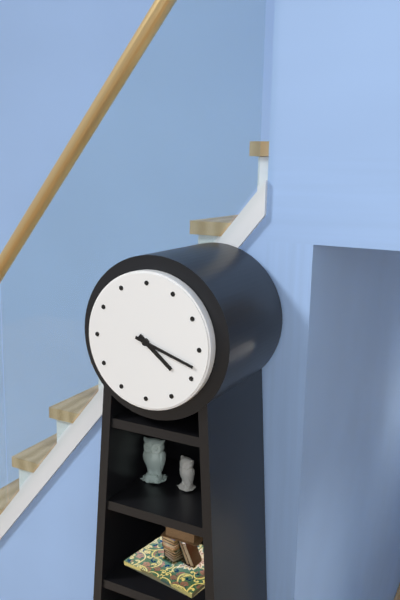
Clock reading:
{"hour": 4, "minute": 18}
